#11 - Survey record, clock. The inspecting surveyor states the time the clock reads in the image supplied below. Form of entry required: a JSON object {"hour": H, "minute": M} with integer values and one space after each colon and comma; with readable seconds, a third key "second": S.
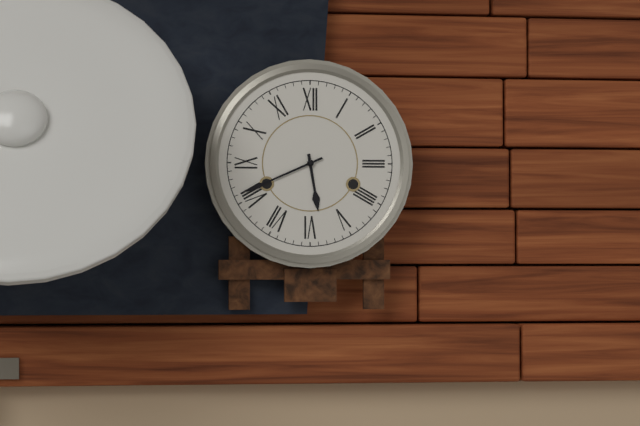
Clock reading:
{"hour": 5, "minute": 41}
